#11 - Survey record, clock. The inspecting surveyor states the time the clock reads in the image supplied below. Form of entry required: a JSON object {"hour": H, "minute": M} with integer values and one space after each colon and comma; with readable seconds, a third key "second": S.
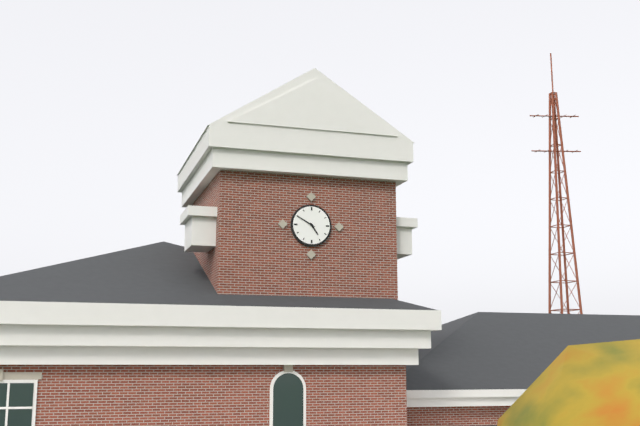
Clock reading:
{"hour": 4, "minute": 50}
